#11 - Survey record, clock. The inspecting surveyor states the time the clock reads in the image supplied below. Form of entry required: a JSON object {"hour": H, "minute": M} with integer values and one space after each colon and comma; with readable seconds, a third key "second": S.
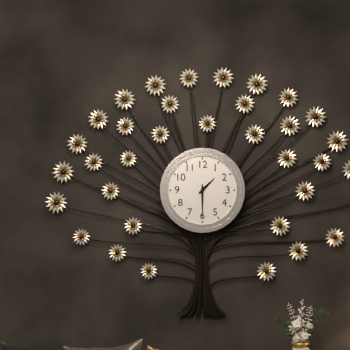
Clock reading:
{"hour": 1, "minute": 30}
